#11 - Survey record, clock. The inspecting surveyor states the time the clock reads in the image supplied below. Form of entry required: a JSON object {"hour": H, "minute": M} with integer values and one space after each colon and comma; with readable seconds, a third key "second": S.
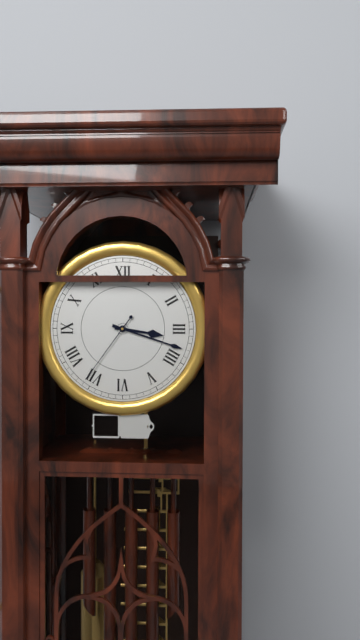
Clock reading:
{"hour": 3, "minute": 18, "second": 36}
